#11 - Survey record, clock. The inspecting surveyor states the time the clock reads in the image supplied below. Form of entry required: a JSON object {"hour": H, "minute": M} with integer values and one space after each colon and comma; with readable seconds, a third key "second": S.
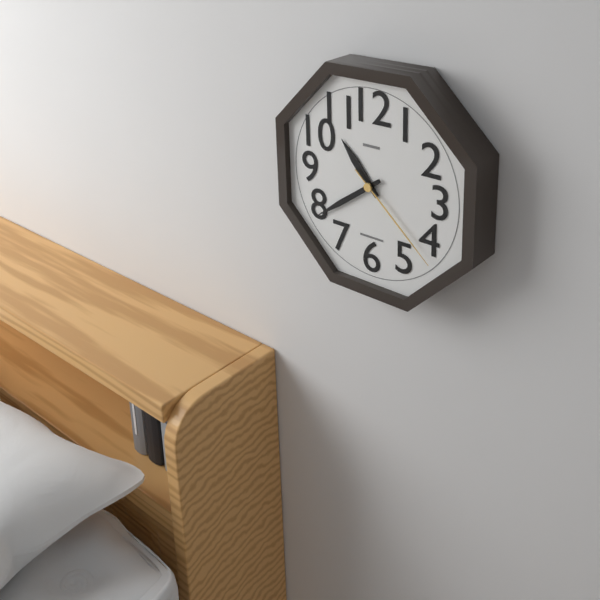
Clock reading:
{"hour": 10, "minute": 39, "second": 22}
